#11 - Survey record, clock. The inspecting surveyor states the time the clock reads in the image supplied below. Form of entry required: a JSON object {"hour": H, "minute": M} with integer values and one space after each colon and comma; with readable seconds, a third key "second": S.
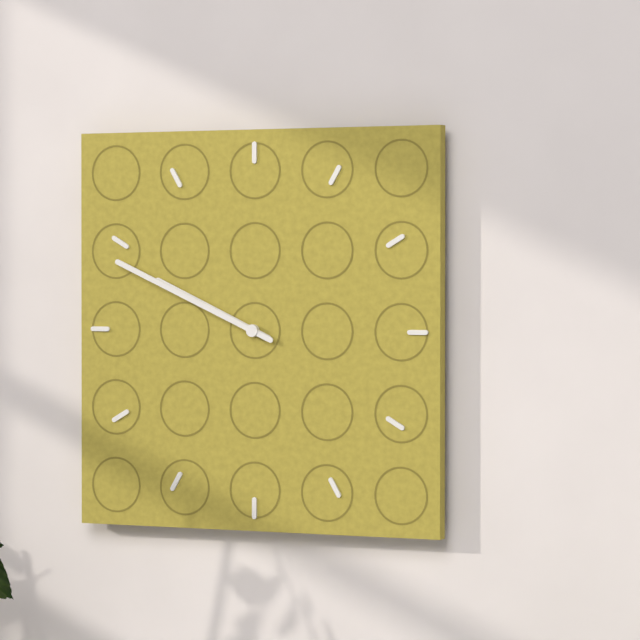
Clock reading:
{"hour": 9, "minute": 49}
